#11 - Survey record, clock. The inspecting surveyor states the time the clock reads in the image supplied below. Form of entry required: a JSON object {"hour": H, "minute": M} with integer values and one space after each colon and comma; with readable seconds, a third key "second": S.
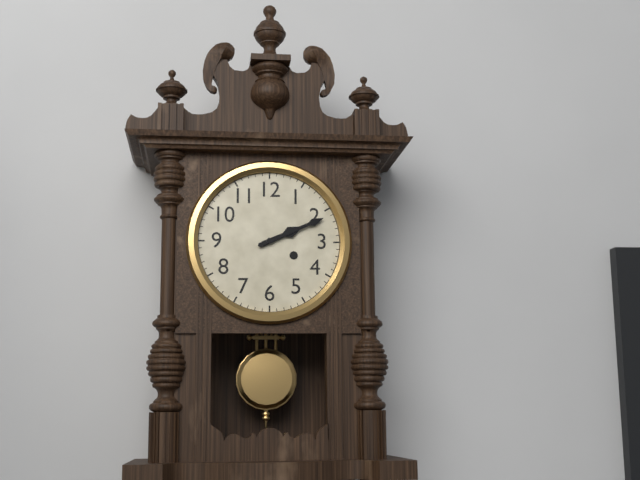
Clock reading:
{"hour": 2, "minute": 11}
